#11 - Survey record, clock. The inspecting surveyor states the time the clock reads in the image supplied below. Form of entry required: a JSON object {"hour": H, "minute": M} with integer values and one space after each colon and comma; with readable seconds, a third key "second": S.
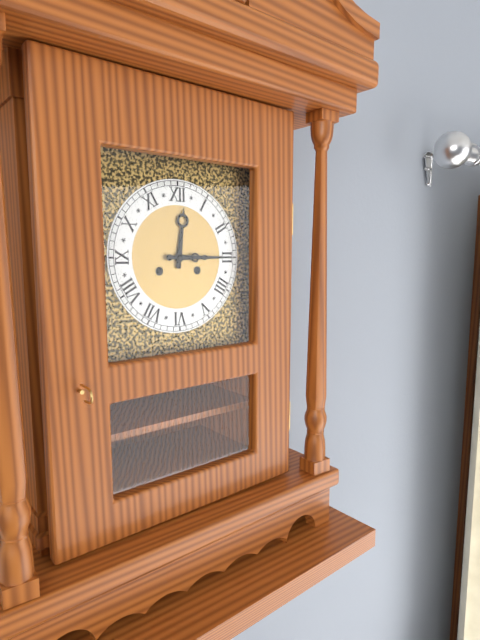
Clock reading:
{"hour": 12, "minute": 15}
